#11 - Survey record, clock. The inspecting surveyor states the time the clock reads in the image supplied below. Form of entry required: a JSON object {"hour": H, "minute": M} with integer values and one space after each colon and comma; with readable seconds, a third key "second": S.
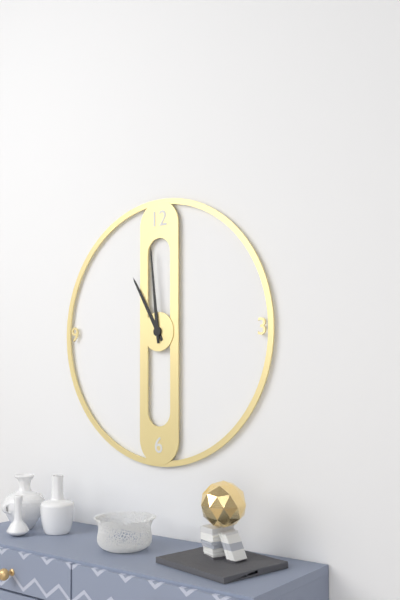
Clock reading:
{"hour": 10, "minute": 59}
